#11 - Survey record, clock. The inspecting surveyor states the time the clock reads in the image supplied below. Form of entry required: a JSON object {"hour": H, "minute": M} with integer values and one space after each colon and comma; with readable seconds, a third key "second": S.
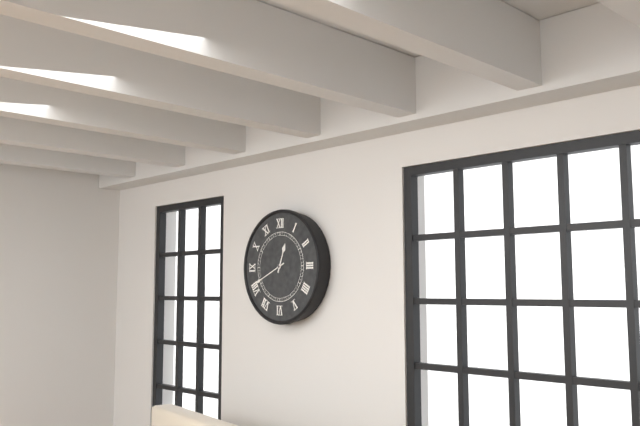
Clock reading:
{"hour": 12, "minute": 41}
